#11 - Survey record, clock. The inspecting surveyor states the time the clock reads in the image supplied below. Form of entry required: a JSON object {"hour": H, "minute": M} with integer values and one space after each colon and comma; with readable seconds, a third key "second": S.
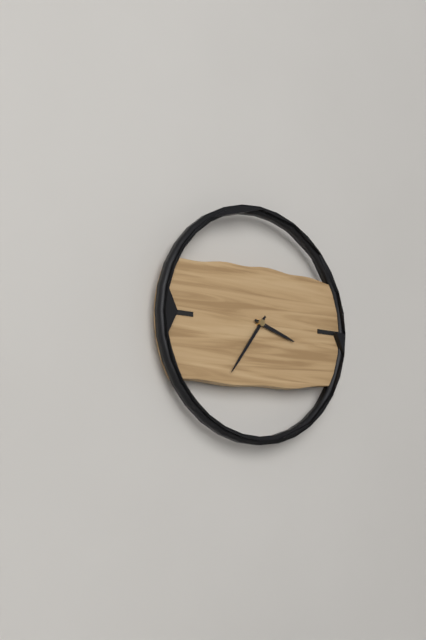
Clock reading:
{"hour": 3, "minute": 36}
